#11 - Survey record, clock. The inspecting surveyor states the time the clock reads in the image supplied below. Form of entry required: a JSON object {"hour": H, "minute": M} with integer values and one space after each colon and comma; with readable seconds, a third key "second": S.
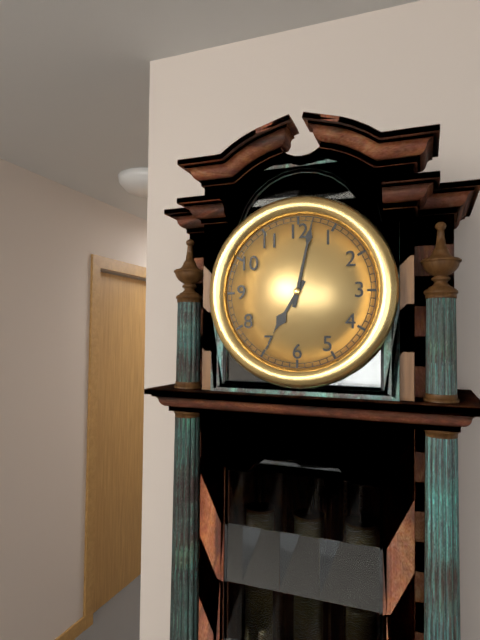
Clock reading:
{"hour": 7, "minute": 2}
